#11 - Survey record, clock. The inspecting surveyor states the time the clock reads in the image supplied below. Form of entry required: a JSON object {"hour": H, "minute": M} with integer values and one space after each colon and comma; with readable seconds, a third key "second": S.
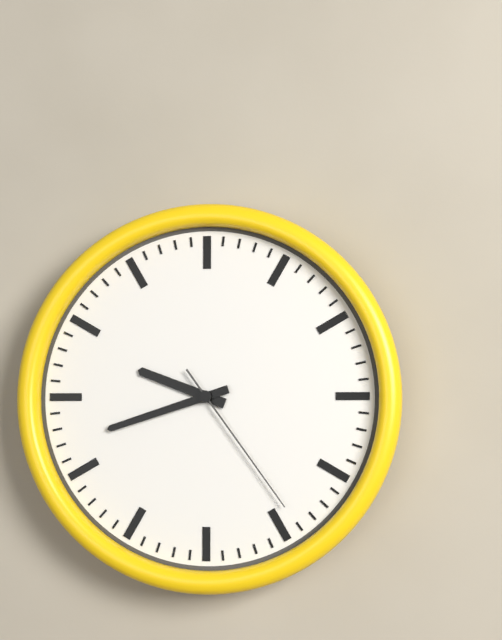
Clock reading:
{"hour": 9, "minute": 42, "second": 24}
